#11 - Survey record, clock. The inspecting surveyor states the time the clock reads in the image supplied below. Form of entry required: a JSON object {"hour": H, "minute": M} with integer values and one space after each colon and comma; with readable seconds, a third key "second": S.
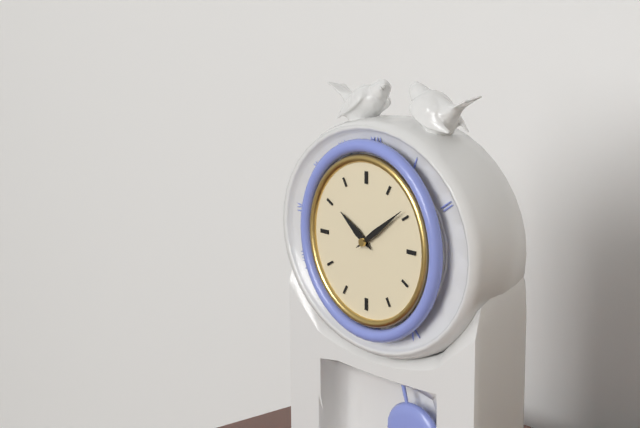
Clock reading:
{"hour": 10, "minute": 9}
